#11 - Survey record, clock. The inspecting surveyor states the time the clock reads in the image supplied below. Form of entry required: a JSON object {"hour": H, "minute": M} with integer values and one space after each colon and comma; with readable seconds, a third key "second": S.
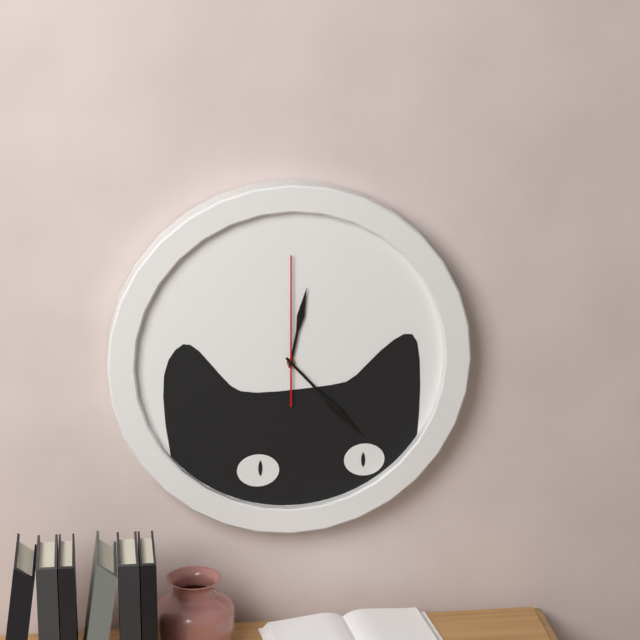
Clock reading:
{"hour": 12, "minute": 23, "second": 0}
